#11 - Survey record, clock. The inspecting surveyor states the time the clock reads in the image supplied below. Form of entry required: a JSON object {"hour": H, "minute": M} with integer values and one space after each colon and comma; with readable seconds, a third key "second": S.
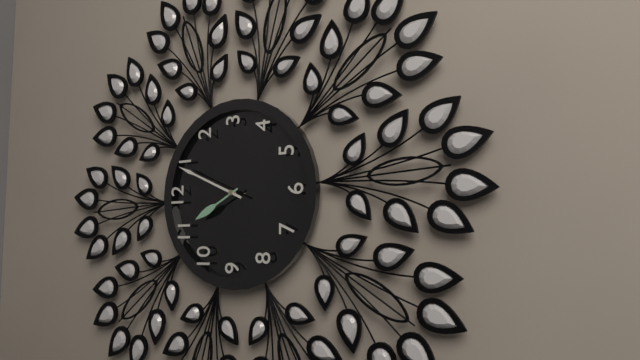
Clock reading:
{"hour": 11, "minute": 4}
